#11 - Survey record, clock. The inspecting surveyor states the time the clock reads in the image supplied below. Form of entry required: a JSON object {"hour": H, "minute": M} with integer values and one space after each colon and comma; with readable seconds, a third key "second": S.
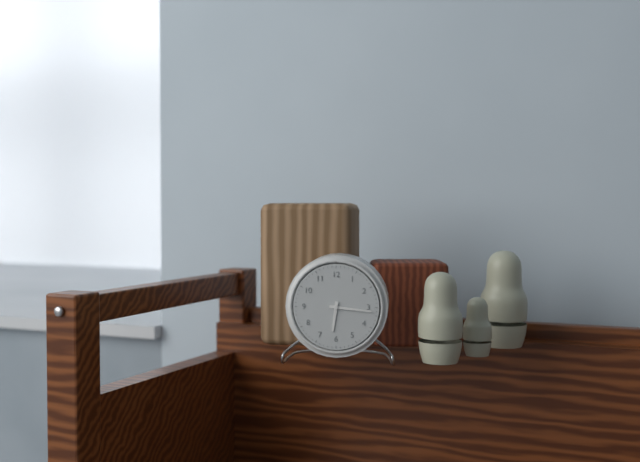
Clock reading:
{"hour": 6, "minute": 16}
